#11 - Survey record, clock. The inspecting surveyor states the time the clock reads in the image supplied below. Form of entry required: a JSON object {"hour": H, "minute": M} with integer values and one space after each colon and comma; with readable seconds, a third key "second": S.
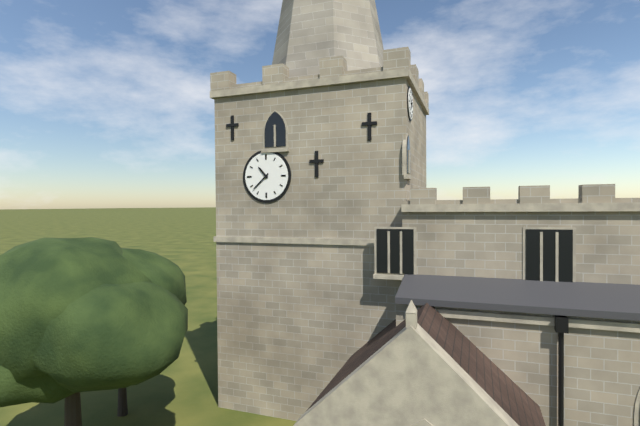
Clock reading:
{"hour": 10, "minute": 38}
